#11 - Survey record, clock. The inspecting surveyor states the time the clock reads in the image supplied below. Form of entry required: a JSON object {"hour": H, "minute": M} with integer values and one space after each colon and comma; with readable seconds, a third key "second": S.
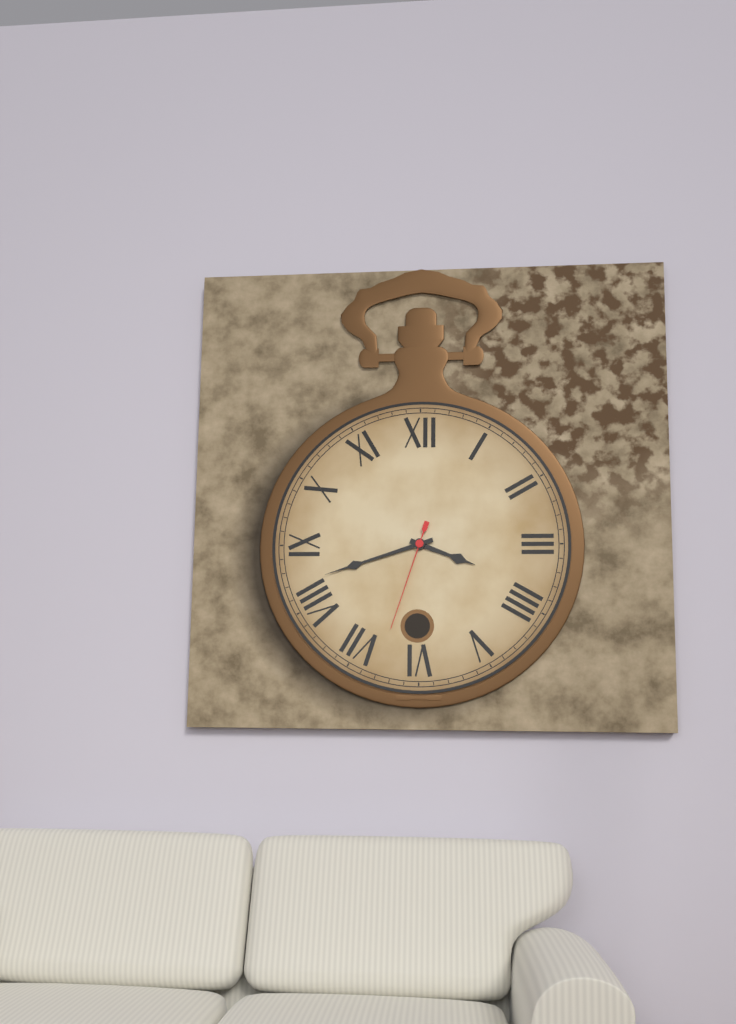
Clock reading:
{"hour": 3, "minute": 42, "second": 33}
